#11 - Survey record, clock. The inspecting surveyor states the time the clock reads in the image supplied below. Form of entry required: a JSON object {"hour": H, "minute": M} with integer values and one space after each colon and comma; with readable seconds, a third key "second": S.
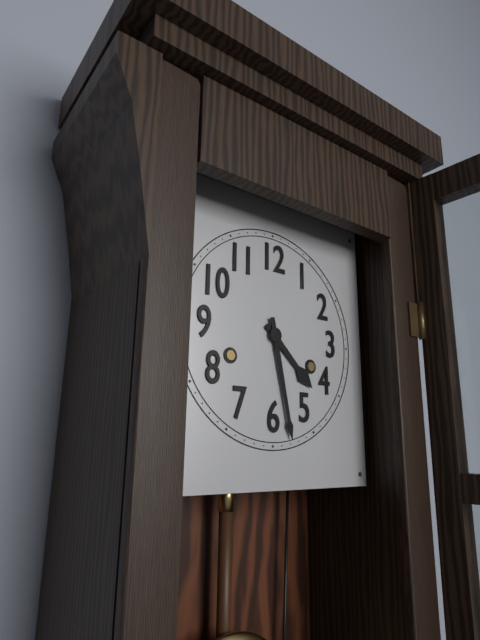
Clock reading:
{"hour": 4, "minute": 28}
